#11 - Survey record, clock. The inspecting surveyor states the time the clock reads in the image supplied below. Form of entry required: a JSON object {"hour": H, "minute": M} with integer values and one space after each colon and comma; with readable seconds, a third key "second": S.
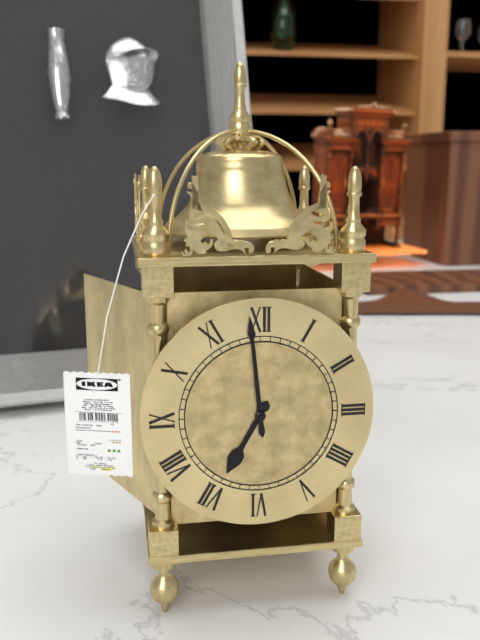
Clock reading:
{"hour": 6, "minute": 59}
